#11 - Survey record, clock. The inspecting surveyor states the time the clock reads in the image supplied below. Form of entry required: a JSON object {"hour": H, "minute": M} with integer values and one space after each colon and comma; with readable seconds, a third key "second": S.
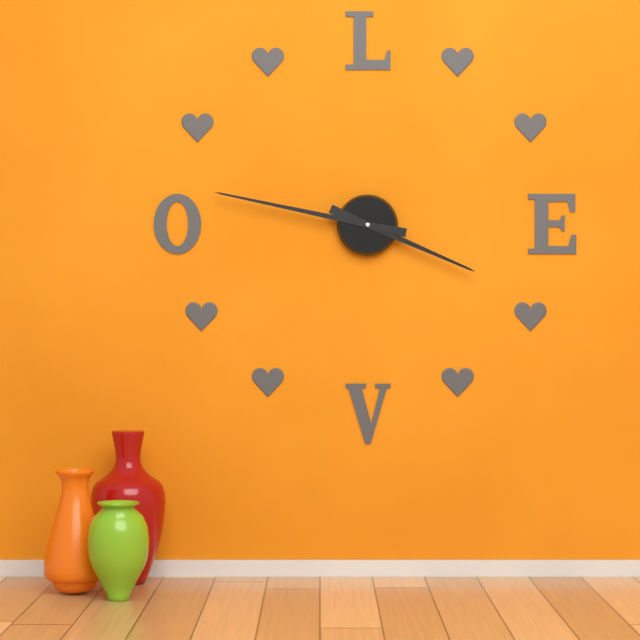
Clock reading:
{"hour": 3, "minute": 47}
